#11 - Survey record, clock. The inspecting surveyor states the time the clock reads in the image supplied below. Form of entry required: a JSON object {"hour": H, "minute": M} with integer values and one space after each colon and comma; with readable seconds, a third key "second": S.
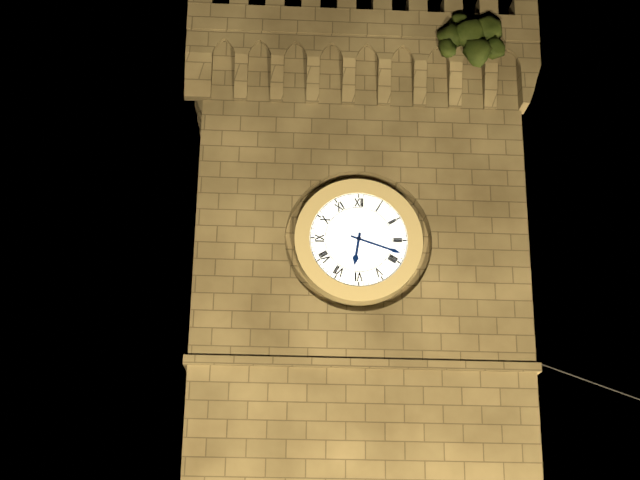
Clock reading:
{"hour": 6, "minute": 18}
